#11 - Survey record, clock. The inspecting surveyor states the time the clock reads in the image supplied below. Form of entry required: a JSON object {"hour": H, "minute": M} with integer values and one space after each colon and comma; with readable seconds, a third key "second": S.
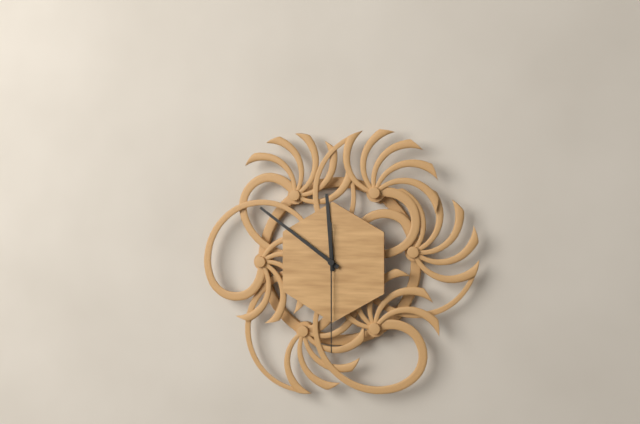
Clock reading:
{"hour": 11, "minute": 51, "second": 30}
